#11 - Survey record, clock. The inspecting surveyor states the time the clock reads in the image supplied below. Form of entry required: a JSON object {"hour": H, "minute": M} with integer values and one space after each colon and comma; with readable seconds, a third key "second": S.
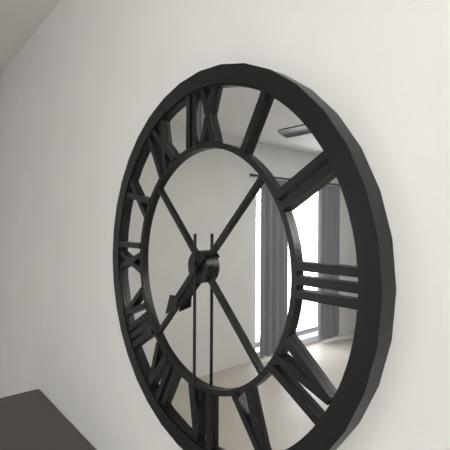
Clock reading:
{"hour": 7, "minute": 30}
